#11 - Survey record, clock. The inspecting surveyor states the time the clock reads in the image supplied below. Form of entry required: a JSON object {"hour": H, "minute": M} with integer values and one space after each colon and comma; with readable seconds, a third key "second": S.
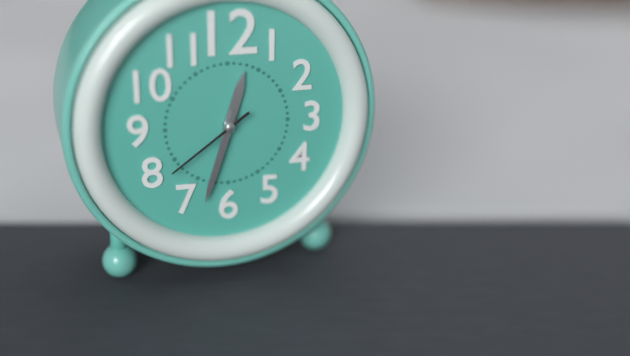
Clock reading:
{"hour": 12, "minute": 33, "second": 39}
